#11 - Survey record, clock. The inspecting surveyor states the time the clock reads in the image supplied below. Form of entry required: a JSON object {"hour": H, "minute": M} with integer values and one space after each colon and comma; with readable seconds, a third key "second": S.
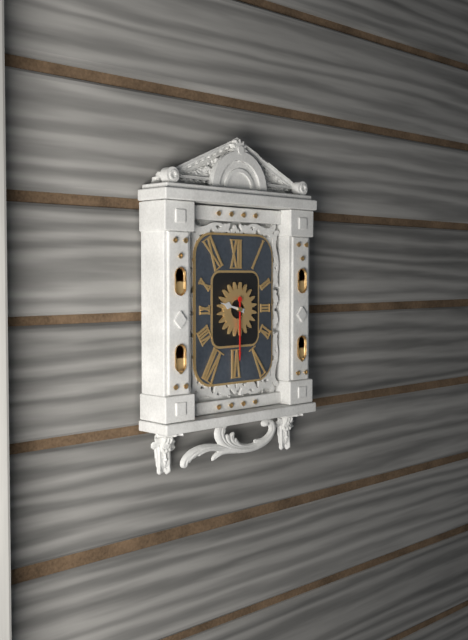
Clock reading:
{"hour": 9, "minute": 30}
